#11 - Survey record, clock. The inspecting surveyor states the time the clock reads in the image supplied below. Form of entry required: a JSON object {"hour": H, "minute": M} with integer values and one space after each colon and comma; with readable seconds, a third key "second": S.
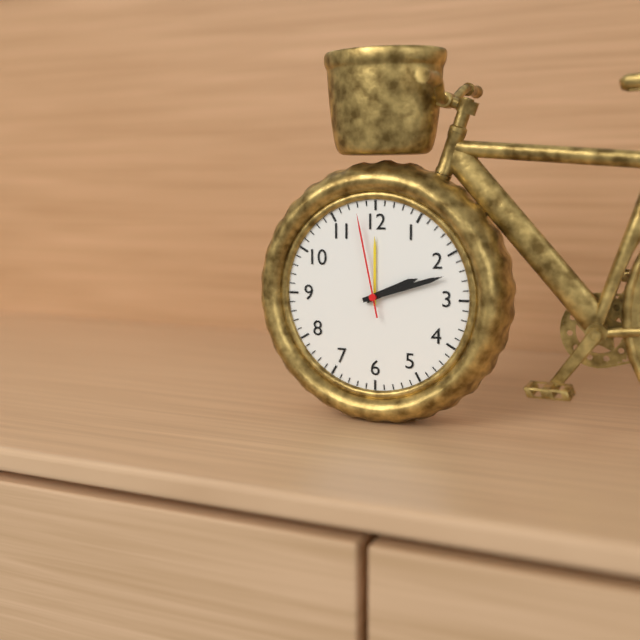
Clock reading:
{"hour": 2, "minute": 12, "second": 58}
